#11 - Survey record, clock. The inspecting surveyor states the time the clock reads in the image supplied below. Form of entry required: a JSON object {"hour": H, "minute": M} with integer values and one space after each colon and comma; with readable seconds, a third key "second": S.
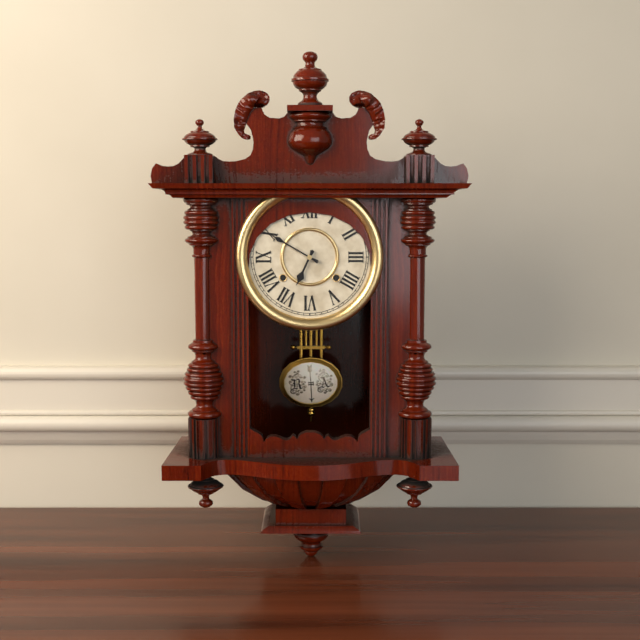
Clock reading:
{"hour": 6, "minute": 50}
